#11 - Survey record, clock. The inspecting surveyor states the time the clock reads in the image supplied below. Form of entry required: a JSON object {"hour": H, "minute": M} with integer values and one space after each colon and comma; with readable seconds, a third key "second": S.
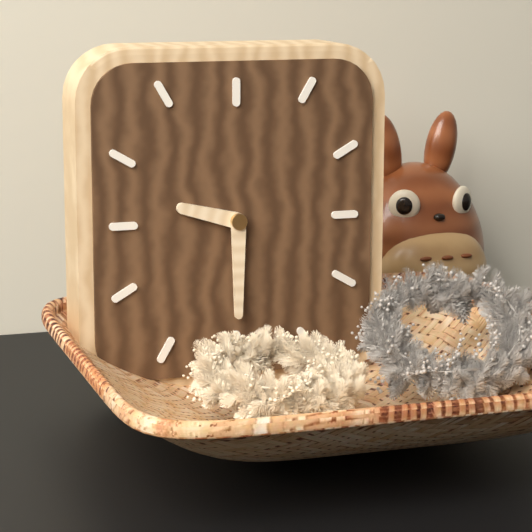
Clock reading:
{"hour": 9, "minute": 30}
